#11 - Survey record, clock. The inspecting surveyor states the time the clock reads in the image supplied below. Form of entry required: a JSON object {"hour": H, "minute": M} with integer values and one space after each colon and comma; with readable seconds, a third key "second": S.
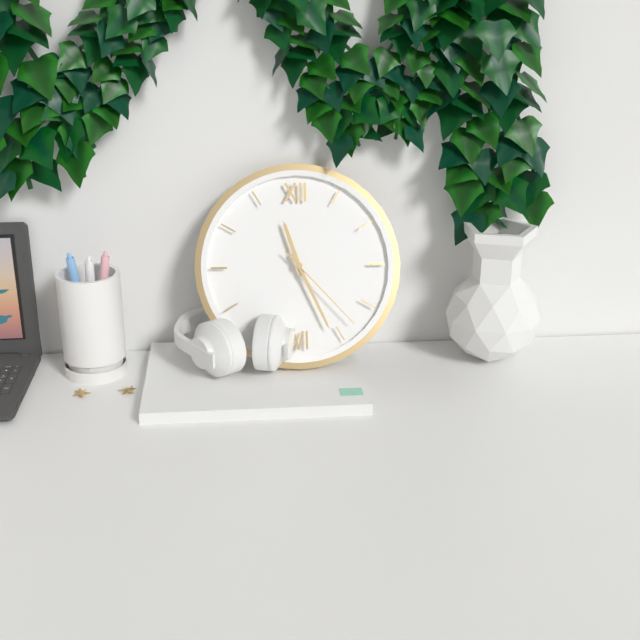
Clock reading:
{"hour": 11, "minute": 26, "second": 23}
